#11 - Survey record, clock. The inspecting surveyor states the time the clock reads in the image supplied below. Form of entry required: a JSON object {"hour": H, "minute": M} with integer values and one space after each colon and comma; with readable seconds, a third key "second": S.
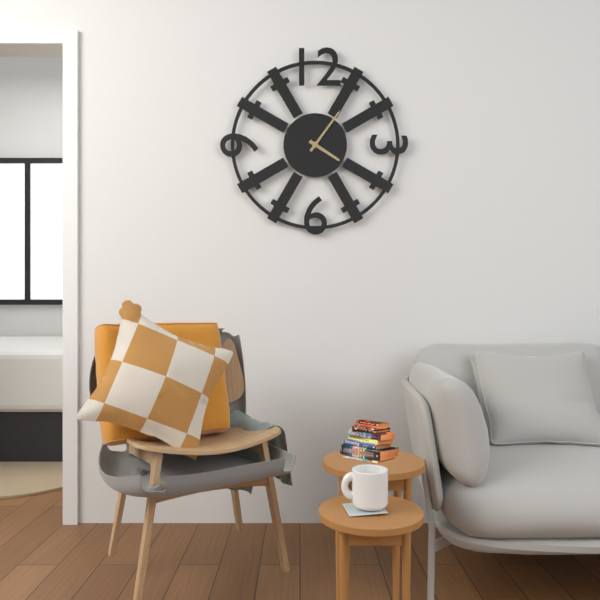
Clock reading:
{"hour": 4, "minute": 6}
